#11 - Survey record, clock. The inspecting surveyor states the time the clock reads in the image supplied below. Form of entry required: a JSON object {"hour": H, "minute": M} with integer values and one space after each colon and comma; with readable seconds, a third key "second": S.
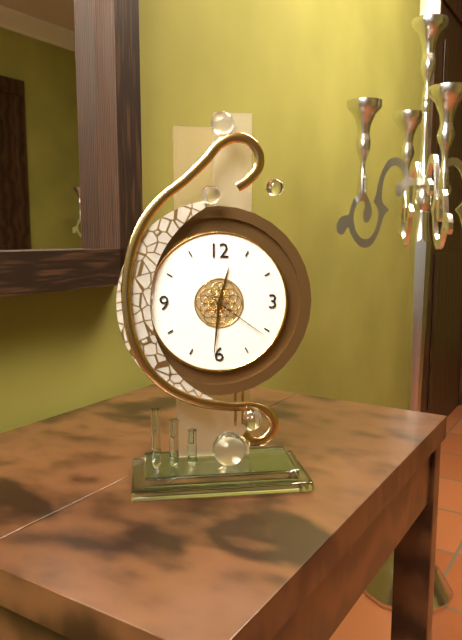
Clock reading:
{"hour": 12, "minute": 31, "second": 21}
